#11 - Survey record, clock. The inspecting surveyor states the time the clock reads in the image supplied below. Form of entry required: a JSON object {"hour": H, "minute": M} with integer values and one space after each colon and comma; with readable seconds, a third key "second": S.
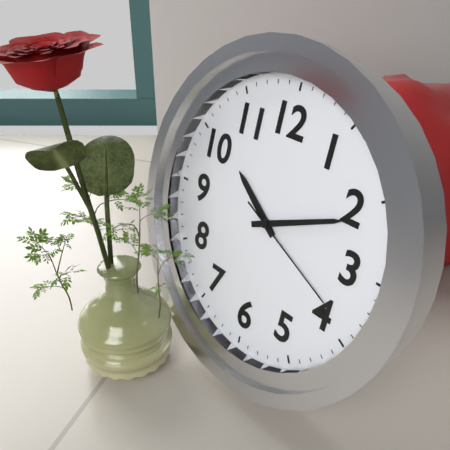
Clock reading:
{"hour": 10, "minute": 11, "second": 19}
